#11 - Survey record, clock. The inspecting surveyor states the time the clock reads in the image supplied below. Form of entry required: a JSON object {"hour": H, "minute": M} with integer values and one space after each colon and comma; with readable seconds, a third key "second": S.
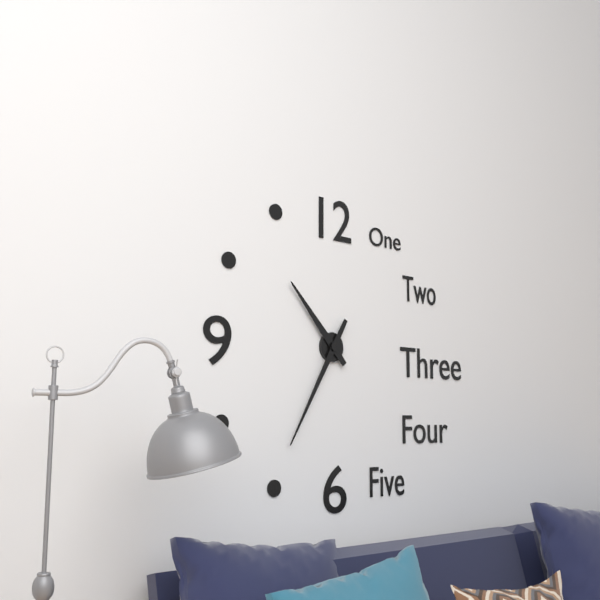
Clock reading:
{"hour": 10, "minute": 35}
